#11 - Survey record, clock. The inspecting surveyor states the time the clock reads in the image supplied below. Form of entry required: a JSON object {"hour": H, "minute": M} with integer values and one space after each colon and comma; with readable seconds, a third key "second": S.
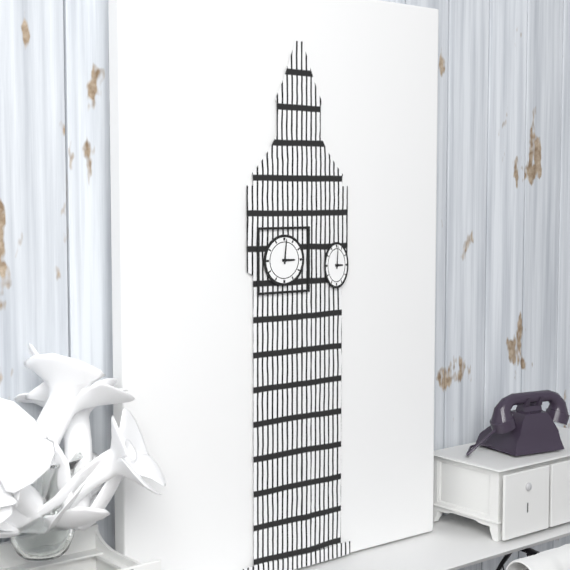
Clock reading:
{"hour": 3, "minute": 1}
